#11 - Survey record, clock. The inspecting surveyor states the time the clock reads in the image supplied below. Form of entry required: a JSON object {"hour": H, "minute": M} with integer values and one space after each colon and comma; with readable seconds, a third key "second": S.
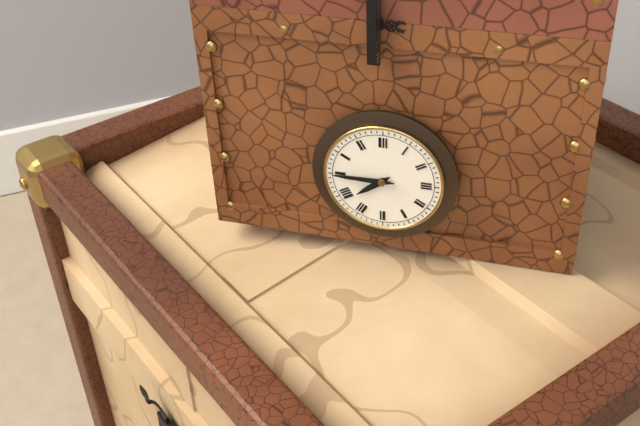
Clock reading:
{"hour": 7, "minute": 45}
